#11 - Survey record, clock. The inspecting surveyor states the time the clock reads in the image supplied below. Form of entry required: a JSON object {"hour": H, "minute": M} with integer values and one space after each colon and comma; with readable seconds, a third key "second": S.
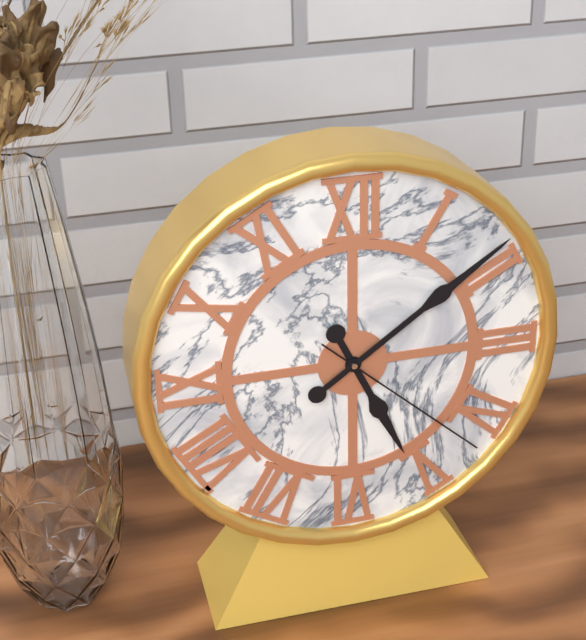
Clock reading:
{"hour": 5, "minute": 9, "second": 22}
